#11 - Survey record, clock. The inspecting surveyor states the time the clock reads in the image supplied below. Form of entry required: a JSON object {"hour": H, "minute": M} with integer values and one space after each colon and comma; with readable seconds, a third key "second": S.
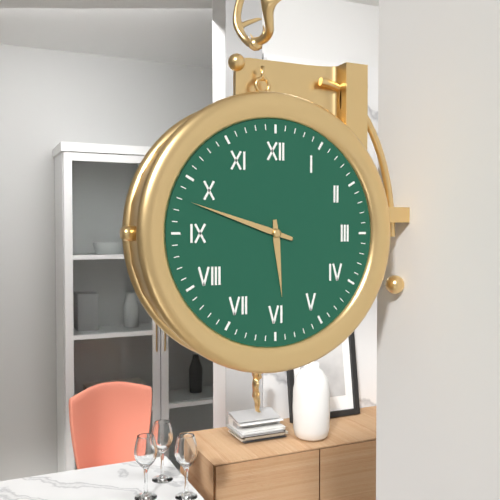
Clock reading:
{"hour": 5, "minute": 48}
